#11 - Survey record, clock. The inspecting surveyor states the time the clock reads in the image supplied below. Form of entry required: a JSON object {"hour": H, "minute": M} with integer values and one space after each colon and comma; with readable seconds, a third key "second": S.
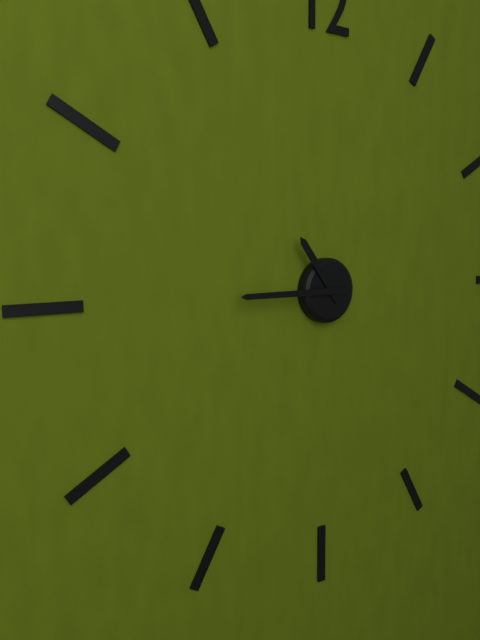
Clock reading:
{"hour": 10, "minute": 45}
